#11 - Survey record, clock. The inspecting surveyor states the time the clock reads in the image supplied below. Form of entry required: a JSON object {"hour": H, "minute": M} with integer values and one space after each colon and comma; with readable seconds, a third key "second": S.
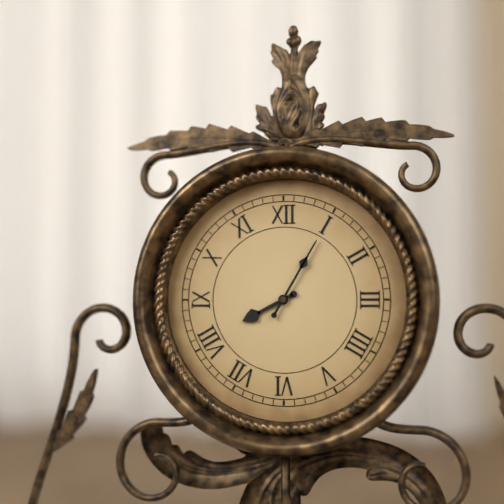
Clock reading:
{"hour": 8, "minute": 5}
